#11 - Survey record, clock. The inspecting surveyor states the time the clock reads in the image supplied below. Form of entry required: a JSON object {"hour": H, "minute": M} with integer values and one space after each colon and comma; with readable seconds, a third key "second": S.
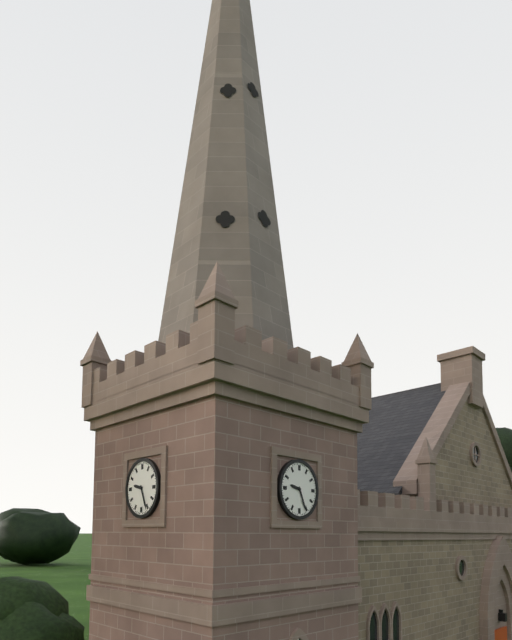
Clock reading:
{"hour": 9, "minute": 26}
